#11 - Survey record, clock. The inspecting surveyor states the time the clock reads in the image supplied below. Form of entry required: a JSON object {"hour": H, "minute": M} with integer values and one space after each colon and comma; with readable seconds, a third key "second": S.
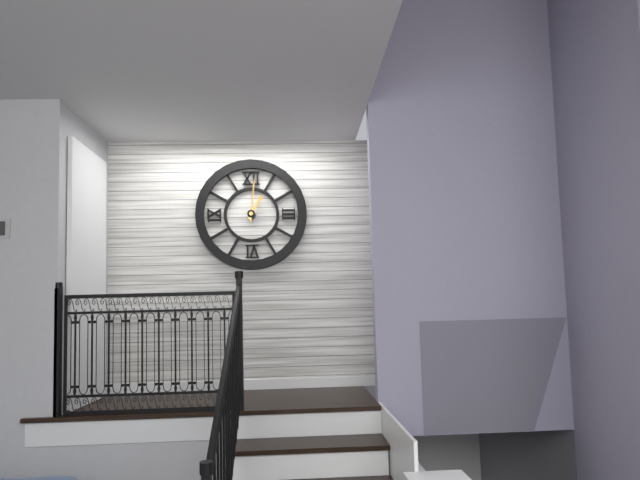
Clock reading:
{"hour": 1, "minute": 1}
